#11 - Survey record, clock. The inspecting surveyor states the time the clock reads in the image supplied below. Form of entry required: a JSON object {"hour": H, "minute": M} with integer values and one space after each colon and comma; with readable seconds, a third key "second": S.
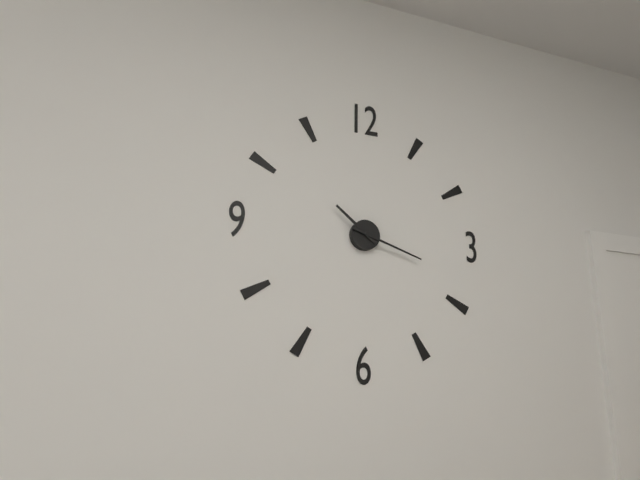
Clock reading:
{"hour": 10, "minute": 18}
